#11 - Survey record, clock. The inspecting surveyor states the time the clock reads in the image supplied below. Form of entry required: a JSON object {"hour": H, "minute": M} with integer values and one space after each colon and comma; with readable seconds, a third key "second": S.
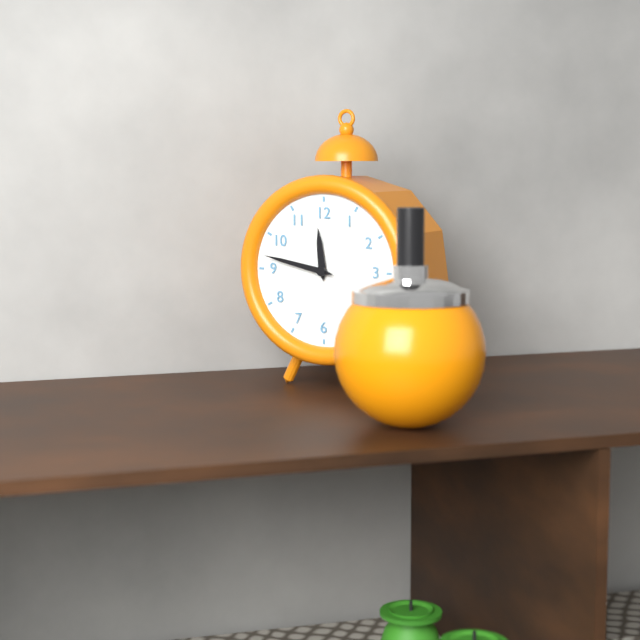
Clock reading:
{"hour": 11, "minute": 47}
